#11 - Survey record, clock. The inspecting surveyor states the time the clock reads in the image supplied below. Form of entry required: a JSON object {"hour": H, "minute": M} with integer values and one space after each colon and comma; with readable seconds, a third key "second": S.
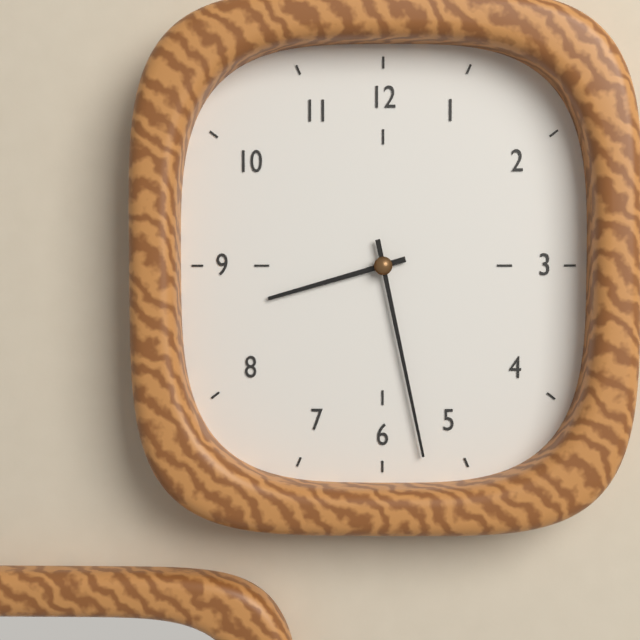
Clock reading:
{"hour": 8, "minute": 28}
